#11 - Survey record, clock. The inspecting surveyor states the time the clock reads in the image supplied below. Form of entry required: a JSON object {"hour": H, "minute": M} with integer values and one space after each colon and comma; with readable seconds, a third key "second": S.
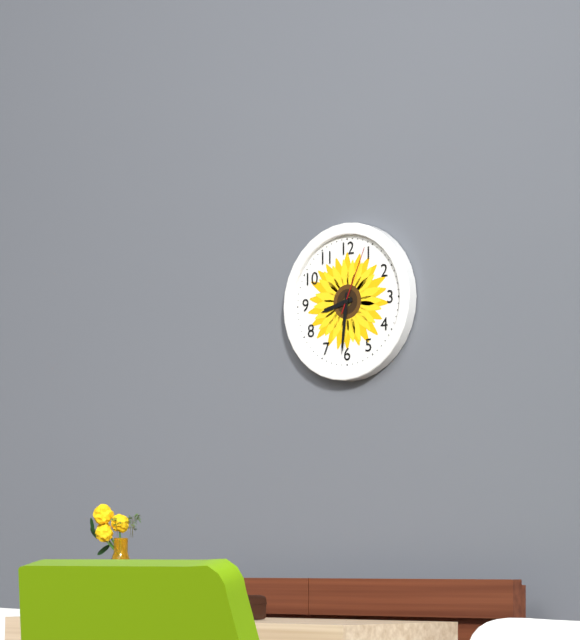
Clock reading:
{"hour": 8, "minute": 31, "second": 4}
